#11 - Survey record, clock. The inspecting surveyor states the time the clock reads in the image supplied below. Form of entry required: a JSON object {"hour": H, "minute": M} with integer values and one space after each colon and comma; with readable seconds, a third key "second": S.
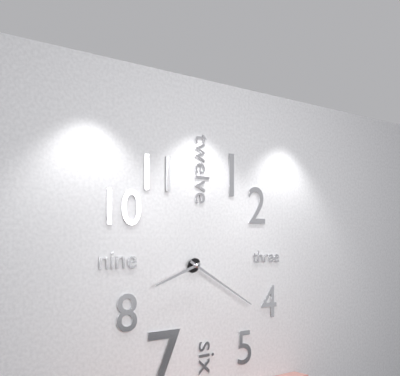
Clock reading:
{"hour": 8, "minute": 20}
